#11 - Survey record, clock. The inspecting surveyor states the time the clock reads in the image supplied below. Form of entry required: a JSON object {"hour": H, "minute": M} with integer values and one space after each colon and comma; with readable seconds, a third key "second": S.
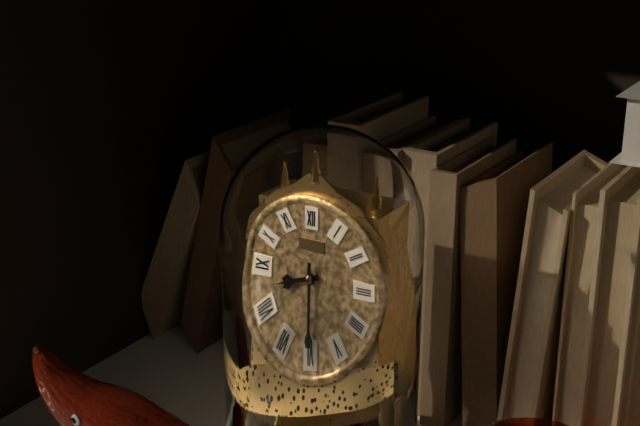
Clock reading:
{"hour": 8, "minute": 30}
